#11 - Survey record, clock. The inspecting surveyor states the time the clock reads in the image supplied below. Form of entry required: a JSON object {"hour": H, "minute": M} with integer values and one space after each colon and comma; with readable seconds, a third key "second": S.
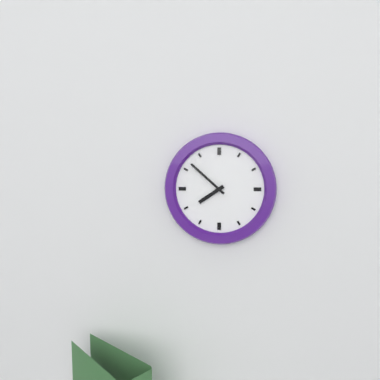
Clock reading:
{"hour": 7, "minute": 52}
